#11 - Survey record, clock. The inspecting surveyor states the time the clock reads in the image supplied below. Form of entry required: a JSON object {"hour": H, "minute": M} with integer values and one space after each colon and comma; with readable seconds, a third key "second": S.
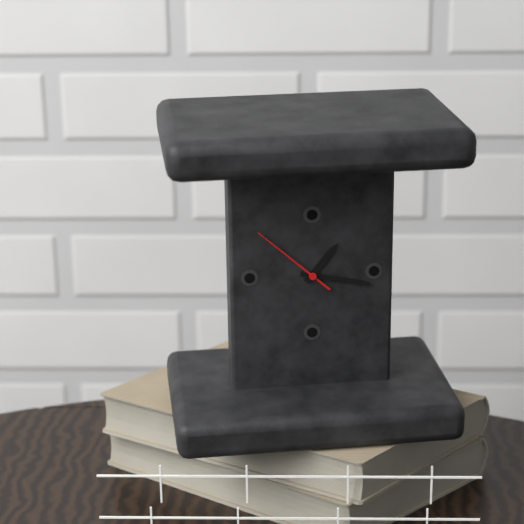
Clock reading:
{"hour": 1, "minute": 17, "second": 52}
